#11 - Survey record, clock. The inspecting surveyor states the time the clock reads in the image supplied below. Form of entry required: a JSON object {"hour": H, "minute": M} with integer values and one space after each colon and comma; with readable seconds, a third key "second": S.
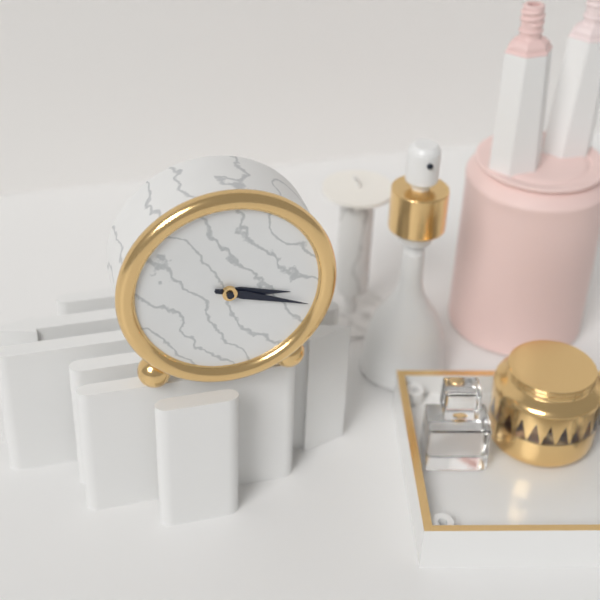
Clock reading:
{"hour": 3, "minute": 18}
